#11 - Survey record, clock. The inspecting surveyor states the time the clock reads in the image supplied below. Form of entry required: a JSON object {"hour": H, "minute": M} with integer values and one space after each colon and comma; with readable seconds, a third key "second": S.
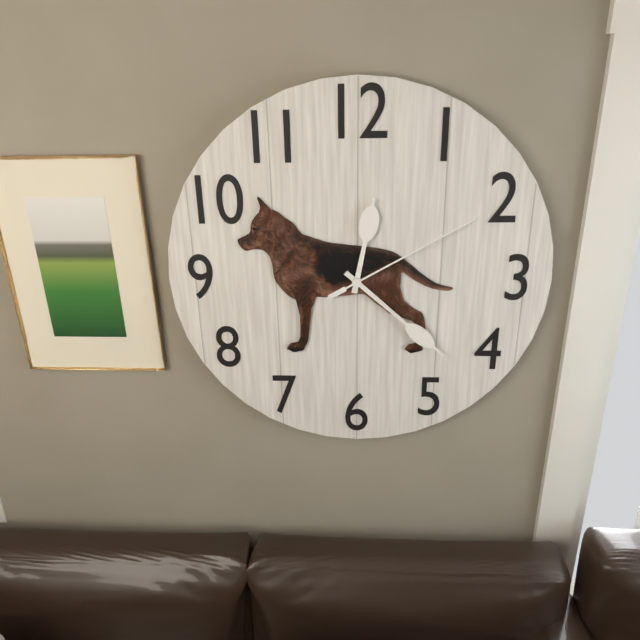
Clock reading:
{"hour": 12, "minute": 22, "second": 10}
